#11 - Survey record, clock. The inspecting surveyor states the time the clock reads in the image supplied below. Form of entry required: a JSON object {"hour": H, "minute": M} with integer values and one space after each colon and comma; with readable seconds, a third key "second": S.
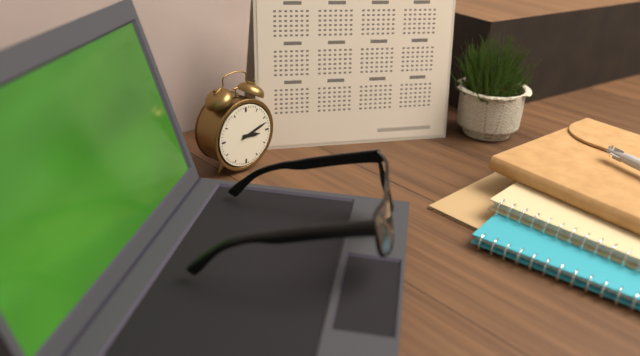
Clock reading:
{"hour": 3, "minute": 12}
